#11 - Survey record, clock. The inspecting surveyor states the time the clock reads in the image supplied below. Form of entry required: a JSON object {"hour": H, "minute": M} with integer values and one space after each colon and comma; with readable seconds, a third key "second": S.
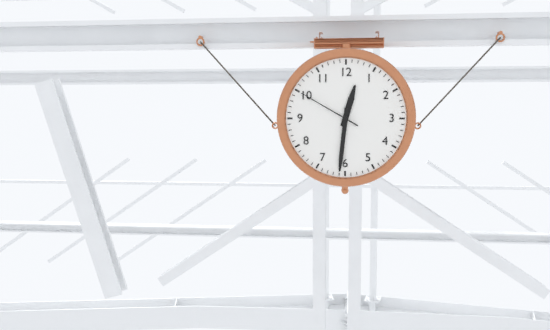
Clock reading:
{"hour": 12, "minute": 31, "second": 50}
